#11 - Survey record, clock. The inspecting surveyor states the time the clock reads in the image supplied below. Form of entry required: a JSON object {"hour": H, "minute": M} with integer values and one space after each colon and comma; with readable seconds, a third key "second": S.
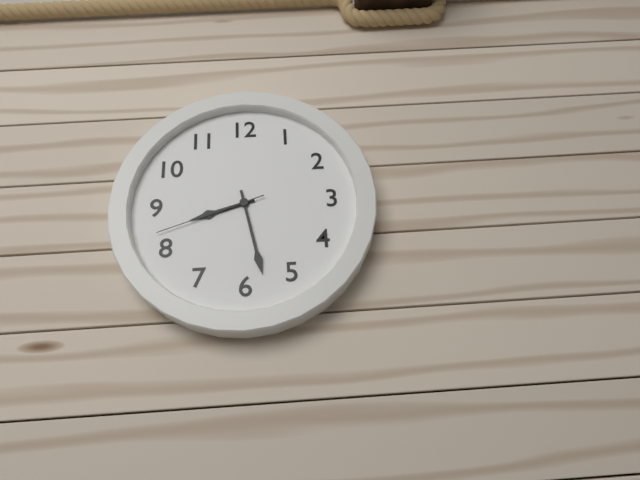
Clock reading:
{"hour": 8, "minute": 28, "second": 42}
